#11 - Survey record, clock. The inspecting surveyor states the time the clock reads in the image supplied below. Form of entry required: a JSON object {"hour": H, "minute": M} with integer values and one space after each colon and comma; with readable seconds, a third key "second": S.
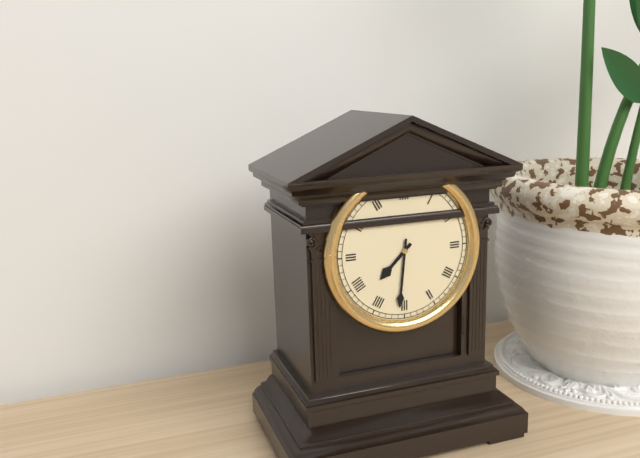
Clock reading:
{"hour": 7, "minute": 31}
